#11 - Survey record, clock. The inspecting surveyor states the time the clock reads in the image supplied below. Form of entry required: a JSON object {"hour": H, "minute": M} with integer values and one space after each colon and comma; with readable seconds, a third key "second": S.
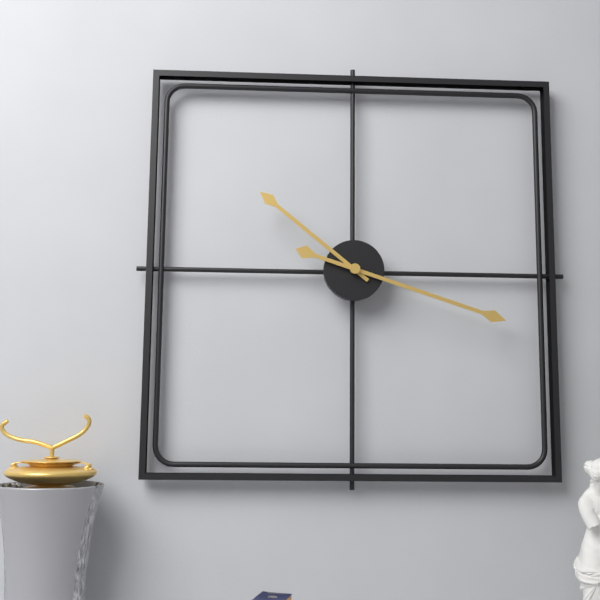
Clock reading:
{"hour": 10, "minute": 18}
